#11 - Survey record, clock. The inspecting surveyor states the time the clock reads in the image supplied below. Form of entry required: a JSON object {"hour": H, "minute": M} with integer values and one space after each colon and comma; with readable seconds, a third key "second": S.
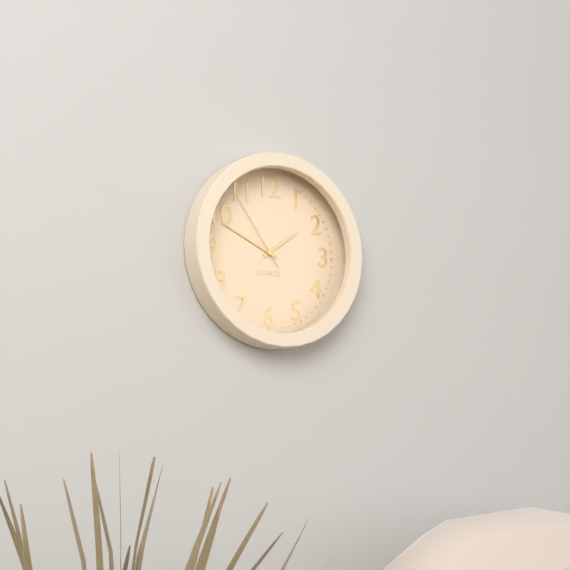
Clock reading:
{"hour": 1, "minute": 49, "second": 54}
